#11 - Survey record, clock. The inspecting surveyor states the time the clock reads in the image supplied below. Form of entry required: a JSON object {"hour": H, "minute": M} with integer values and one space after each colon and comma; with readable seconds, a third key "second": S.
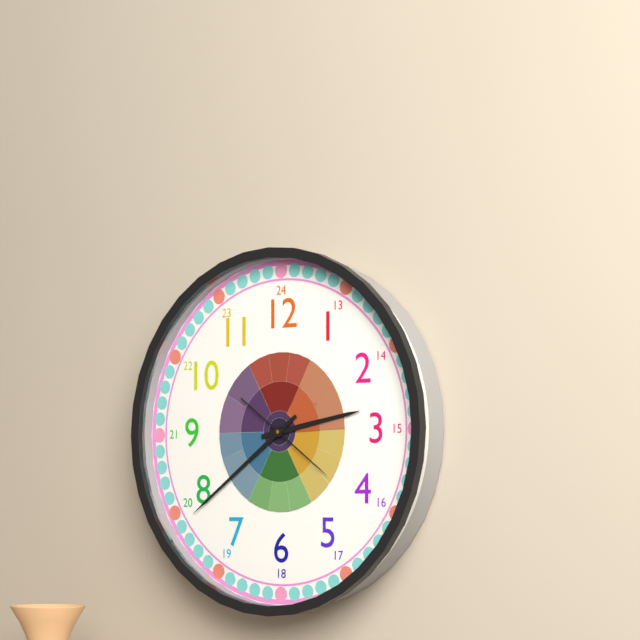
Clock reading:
{"hour": 2, "minute": 39, "second": 21}
